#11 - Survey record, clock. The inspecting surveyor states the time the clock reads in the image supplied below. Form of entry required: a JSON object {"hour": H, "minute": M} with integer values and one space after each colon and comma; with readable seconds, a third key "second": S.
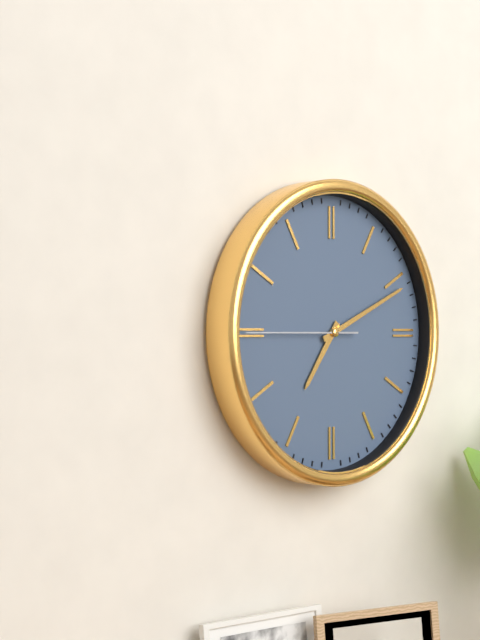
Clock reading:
{"hour": 7, "minute": 11, "second": 45}
